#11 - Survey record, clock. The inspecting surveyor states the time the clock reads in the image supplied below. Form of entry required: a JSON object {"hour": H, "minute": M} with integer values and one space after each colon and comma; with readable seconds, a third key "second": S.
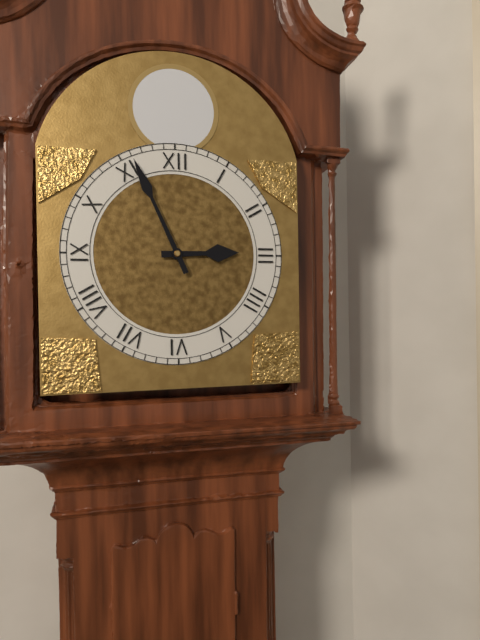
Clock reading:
{"hour": 2, "minute": 56}
